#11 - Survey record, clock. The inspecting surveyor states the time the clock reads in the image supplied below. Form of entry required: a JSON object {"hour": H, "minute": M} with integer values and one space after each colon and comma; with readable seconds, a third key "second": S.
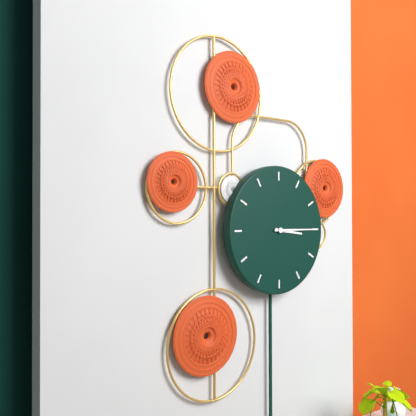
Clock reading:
{"hour": 3, "minute": 15}
